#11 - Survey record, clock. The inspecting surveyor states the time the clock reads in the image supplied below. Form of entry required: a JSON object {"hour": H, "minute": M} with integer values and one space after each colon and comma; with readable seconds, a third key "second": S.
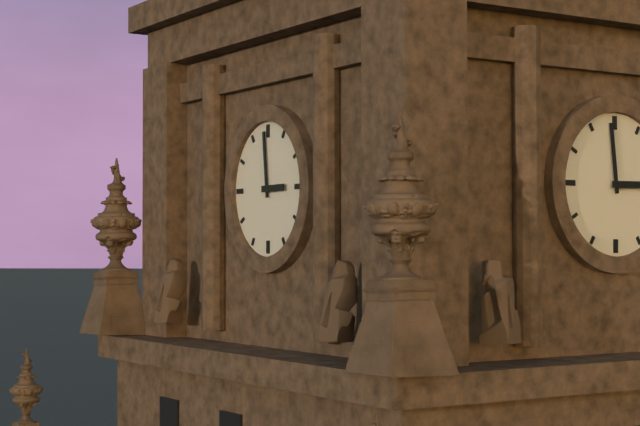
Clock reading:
{"hour": 2, "minute": 59}
